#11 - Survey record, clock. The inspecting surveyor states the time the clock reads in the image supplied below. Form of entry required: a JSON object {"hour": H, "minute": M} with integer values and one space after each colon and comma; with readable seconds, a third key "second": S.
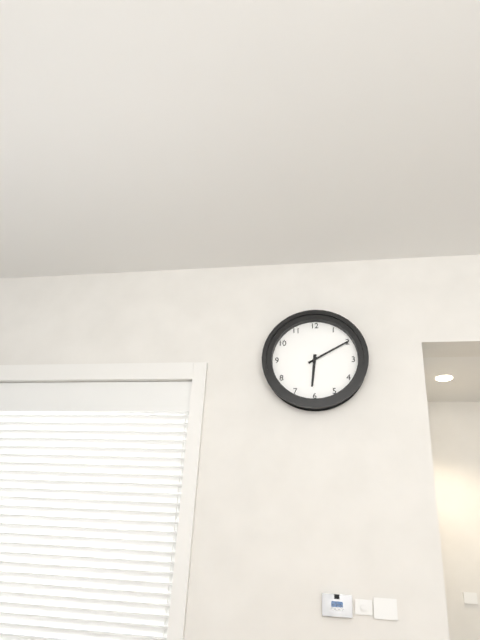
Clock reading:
{"hour": 6, "minute": 10}
